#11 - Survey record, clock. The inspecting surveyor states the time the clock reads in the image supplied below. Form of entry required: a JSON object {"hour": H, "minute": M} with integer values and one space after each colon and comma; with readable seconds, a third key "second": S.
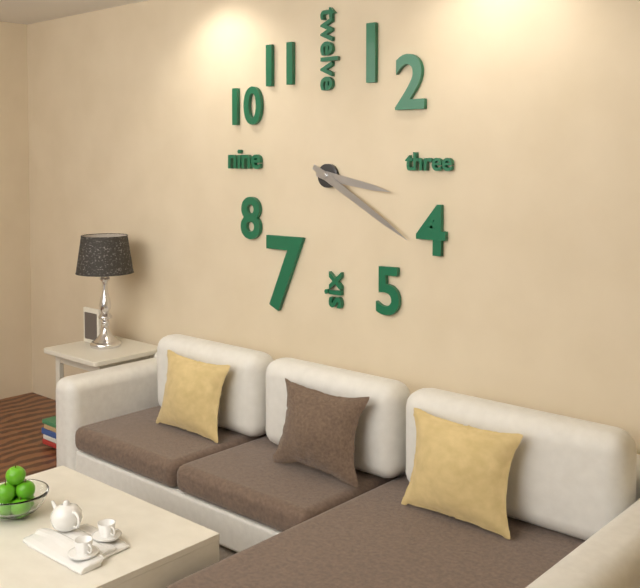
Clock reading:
{"hour": 3, "minute": 20}
